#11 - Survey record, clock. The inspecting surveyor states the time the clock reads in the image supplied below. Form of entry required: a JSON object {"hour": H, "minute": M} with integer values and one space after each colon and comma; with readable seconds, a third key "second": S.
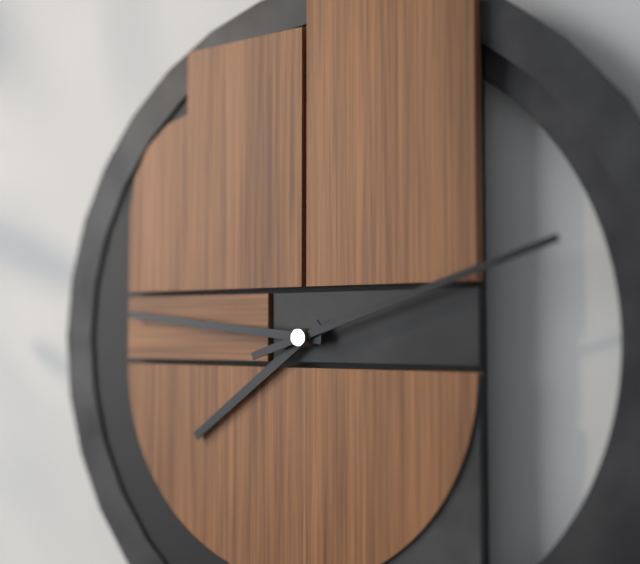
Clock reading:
{"hour": 7, "minute": 46, "second": 12}
